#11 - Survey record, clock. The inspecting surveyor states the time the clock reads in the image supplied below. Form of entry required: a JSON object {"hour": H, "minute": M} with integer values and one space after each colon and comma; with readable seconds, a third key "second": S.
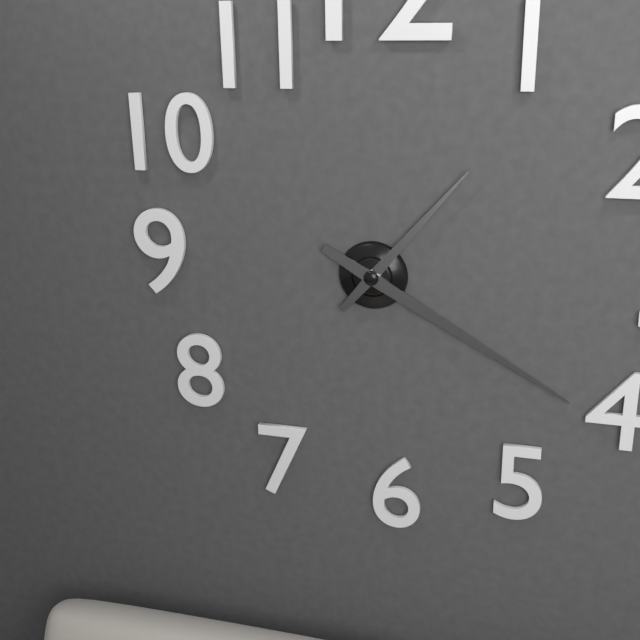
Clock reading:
{"hour": 1, "minute": 20}
